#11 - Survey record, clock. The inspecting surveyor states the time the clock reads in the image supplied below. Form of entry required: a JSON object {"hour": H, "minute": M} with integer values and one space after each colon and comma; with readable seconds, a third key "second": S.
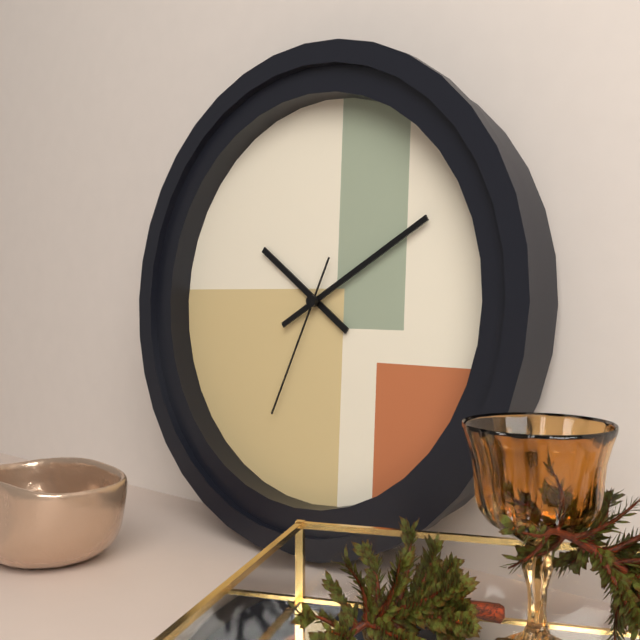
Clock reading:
{"hour": 10, "minute": 10, "second": 34}
